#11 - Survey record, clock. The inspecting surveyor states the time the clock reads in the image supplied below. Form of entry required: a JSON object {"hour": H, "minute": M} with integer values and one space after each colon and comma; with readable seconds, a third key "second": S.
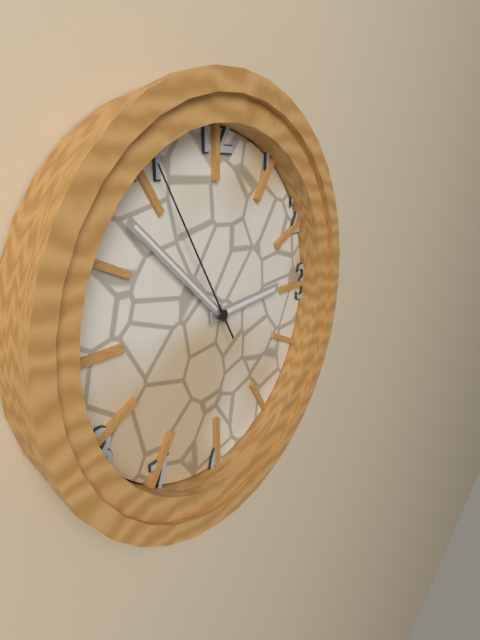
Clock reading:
{"hour": 2, "minute": 52, "second": 55}
